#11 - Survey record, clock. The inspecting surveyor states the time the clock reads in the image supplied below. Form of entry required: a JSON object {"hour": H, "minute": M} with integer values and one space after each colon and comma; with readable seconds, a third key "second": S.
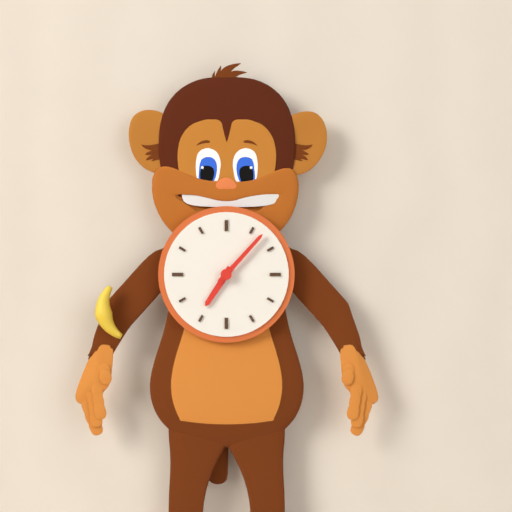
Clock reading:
{"hour": 7, "minute": 7}
